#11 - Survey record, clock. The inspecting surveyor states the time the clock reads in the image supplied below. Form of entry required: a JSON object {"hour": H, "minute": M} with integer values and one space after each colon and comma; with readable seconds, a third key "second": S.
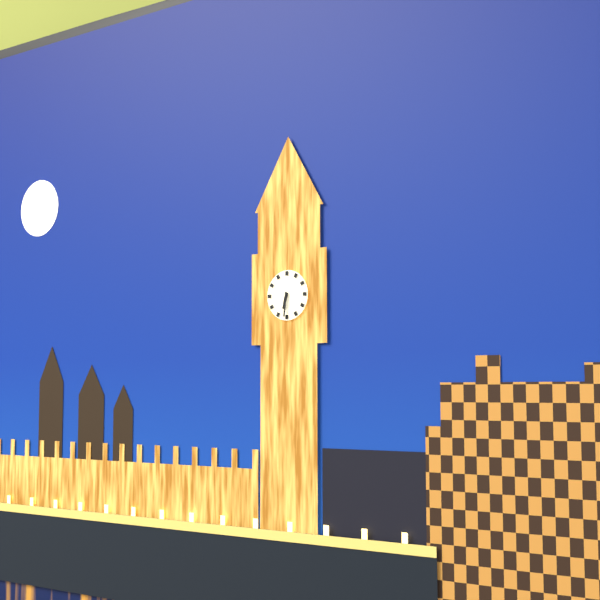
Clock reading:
{"hour": 6, "minute": 31}
